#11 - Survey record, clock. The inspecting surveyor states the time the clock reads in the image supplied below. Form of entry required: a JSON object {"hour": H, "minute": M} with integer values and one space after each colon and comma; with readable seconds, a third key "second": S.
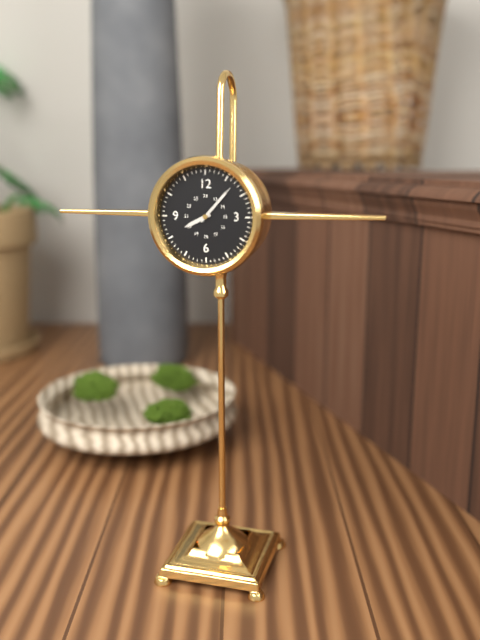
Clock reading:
{"hour": 8, "minute": 7}
